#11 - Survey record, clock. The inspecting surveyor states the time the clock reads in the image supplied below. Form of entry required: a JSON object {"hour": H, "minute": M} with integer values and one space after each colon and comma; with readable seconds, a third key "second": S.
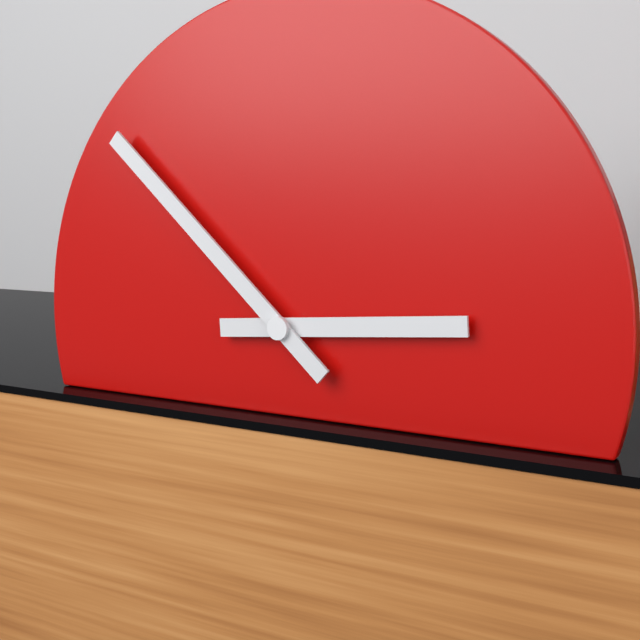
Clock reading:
{"hour": 2, "minute": 52}
